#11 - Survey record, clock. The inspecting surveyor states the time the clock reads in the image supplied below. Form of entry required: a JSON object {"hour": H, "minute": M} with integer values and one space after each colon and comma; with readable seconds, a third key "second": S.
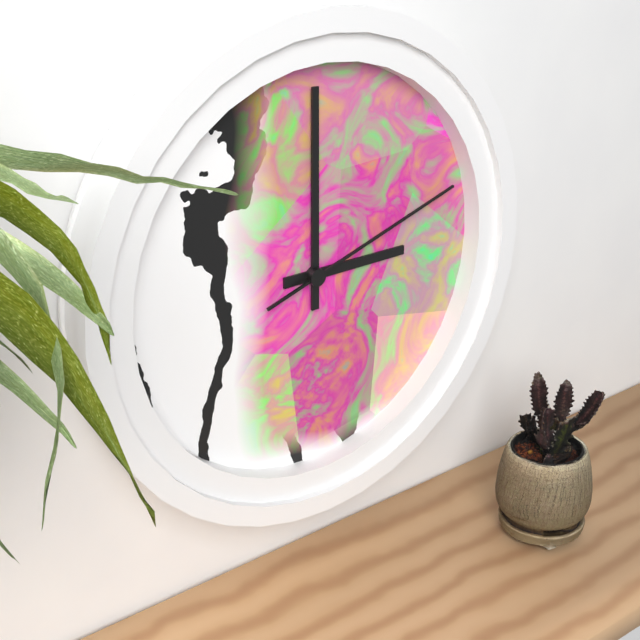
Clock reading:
{"hour": 3, "minute": 0, "second": 12}
